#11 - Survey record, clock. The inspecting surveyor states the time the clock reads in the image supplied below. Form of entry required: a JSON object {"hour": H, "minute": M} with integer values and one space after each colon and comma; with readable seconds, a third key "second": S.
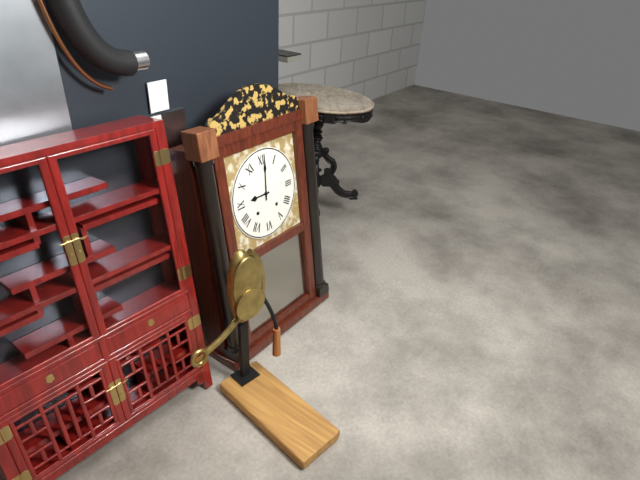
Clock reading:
{"hour": 9, "minute": 1}
